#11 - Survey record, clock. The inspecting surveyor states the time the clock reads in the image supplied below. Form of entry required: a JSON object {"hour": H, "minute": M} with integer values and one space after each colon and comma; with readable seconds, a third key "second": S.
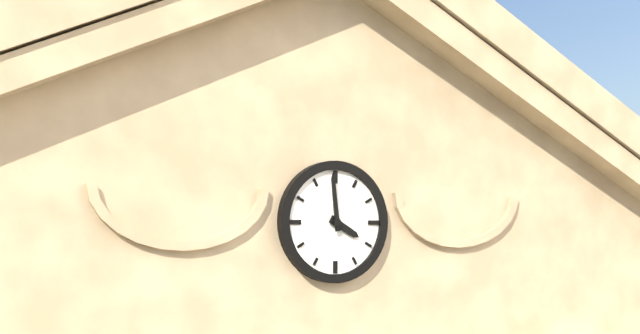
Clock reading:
{"hour": 3, "minute": 59}
